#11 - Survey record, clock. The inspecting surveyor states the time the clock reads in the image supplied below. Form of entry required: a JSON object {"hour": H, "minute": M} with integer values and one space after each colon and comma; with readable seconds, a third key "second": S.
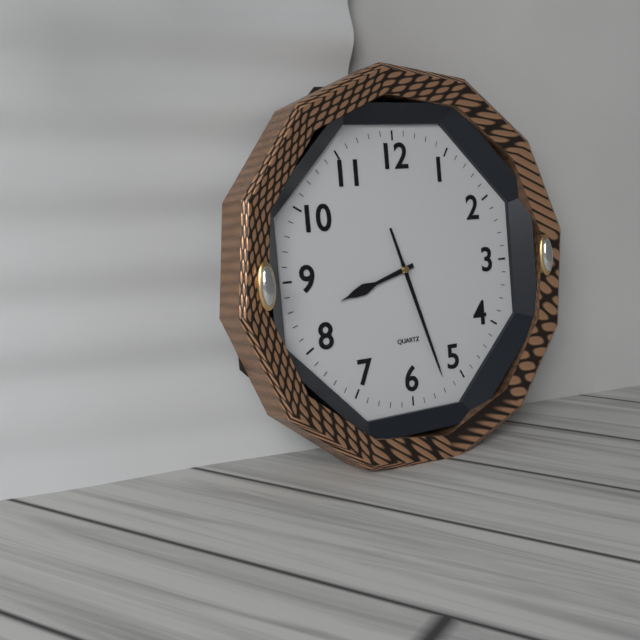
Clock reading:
{"hour": 8, "minute": 27}
